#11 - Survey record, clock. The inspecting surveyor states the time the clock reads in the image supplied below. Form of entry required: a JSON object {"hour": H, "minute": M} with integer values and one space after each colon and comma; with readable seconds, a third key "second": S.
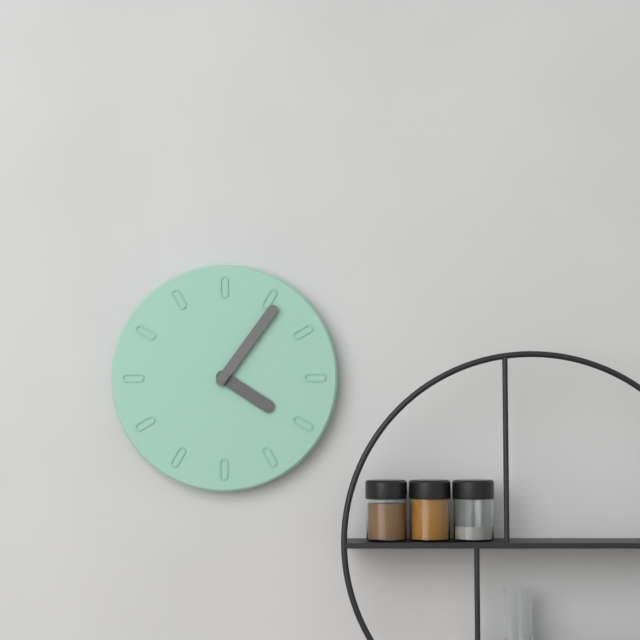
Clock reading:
{"hour": 4, "minute": 6}
